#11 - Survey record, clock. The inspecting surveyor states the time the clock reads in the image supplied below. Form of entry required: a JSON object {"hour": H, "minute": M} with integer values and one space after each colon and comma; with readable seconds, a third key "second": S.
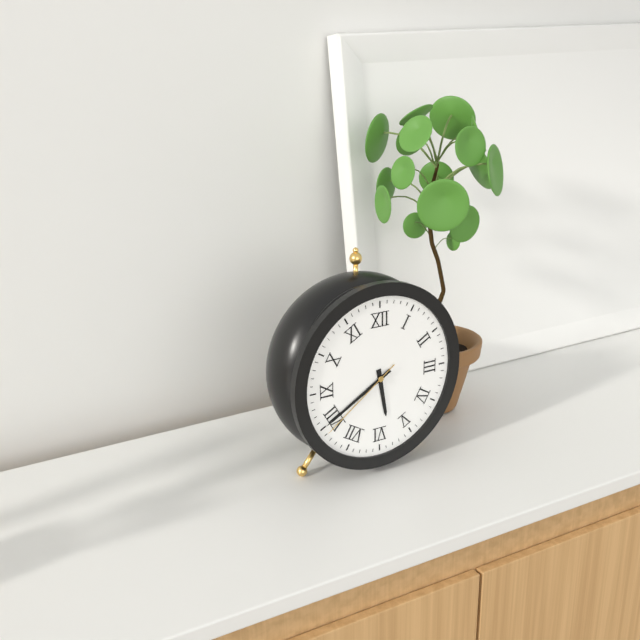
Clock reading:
{"hour": 5, "minute": 40, "second": 39}
